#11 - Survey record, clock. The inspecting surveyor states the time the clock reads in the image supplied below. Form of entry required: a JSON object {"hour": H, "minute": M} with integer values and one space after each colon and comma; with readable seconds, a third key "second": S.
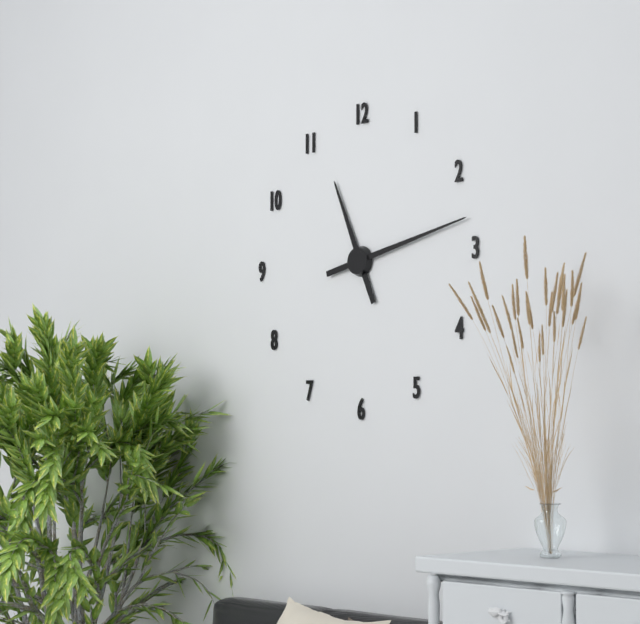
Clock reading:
{"hour": 11, "minute": 13}
